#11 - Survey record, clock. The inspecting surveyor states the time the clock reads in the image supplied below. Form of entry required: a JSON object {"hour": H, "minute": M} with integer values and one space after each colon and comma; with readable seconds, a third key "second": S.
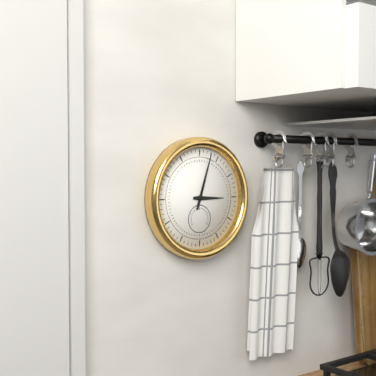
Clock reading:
{"hour": 3, "minute": 3}
